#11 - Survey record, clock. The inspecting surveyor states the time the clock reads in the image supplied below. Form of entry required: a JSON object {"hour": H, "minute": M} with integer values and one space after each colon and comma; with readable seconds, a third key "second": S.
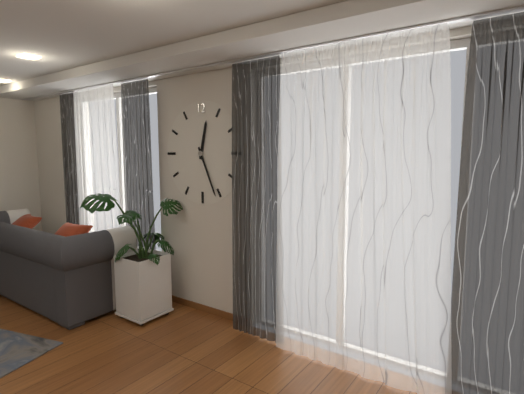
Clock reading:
{"hour": 12, "minute": 26}
